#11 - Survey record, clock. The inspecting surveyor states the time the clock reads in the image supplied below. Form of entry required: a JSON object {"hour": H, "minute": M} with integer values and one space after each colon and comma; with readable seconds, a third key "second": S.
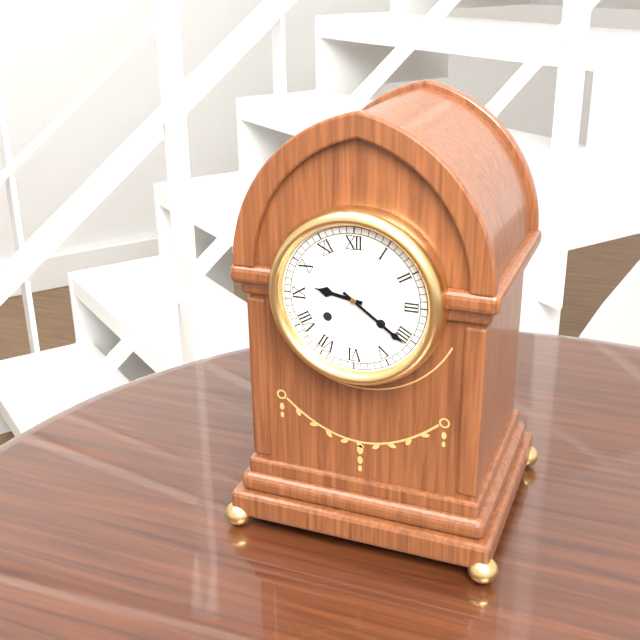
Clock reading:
{"hour": 9, "minute": 21}
